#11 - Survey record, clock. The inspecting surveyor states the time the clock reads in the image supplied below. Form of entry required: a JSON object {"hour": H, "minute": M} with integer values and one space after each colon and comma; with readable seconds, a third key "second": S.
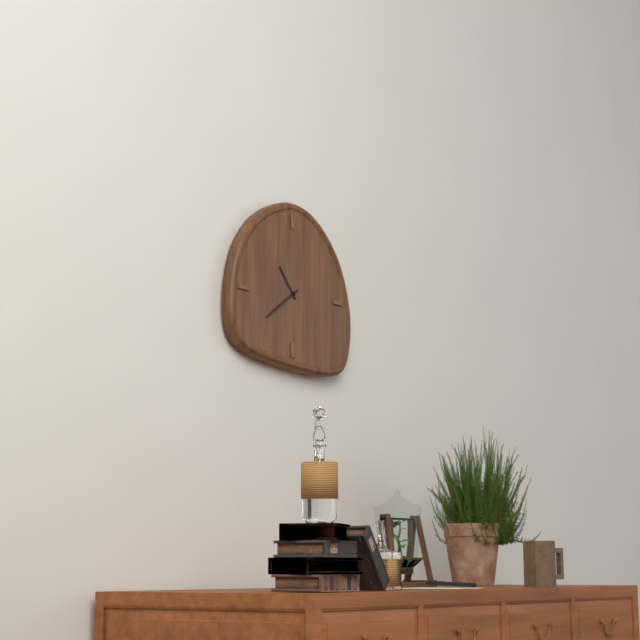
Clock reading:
{"hour": 10, "minute": 39}
